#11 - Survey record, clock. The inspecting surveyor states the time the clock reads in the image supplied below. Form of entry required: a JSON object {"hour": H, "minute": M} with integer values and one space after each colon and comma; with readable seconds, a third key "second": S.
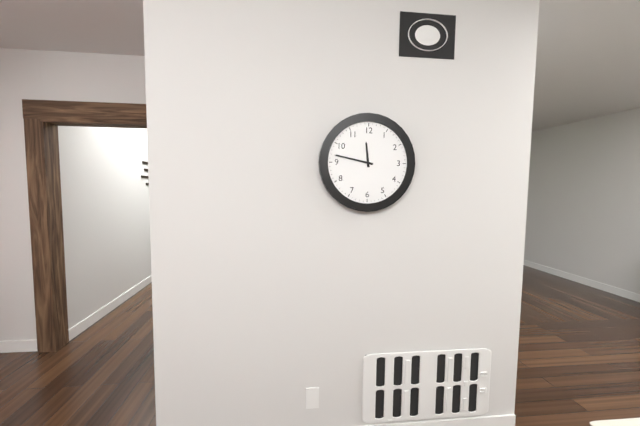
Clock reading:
{"hour": 11, "minute": 47}
